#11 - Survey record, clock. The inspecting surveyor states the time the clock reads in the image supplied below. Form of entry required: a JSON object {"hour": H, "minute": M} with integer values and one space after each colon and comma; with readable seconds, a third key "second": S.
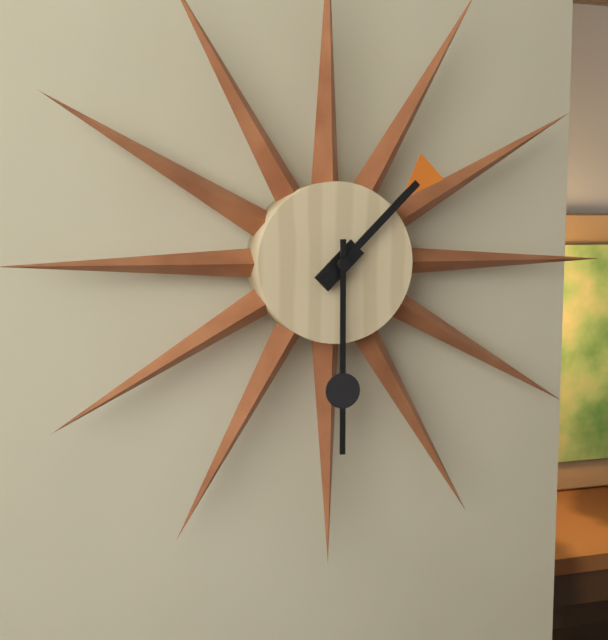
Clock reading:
{"hour": 1, "minute": 30}
